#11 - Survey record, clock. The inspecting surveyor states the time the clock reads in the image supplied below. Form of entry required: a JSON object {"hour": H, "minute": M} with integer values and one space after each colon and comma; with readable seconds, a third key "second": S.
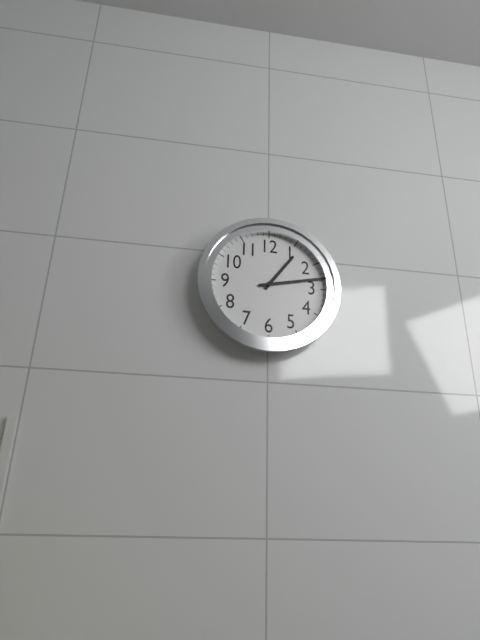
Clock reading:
{"hour": 1, "minute": 13}
